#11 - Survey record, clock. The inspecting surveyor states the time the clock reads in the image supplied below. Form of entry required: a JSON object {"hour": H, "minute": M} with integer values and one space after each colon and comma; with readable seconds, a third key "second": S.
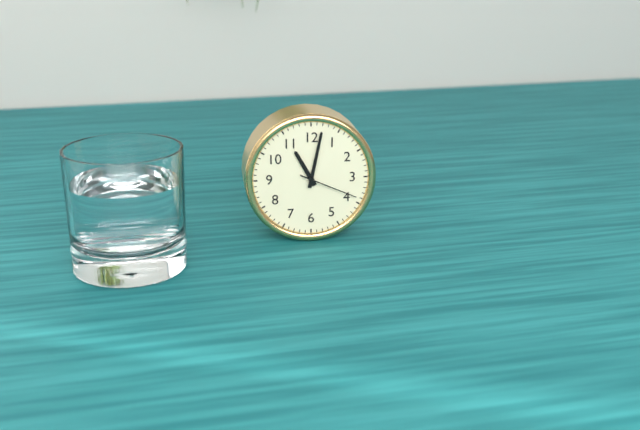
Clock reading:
{"hour": 11, "minute": 2, "second": 19}
